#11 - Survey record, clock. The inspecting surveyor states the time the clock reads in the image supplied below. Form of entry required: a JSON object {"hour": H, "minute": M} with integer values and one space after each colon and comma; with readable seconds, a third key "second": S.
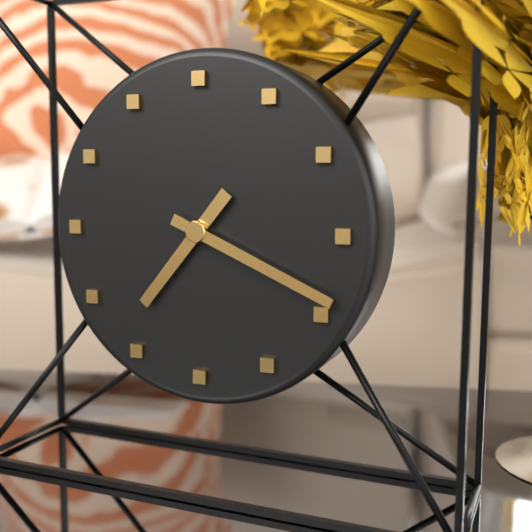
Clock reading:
{"hour": 7, "minute": 19}
